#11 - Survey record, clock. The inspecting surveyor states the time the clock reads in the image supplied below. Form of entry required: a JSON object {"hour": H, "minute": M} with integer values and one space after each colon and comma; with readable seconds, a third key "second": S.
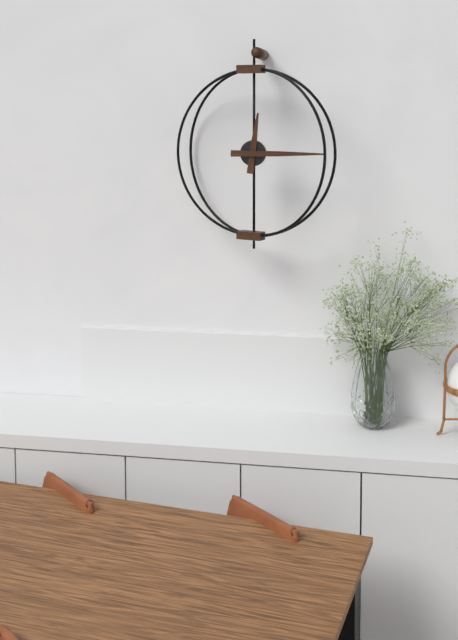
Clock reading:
{"hour": 12, "minute": 15}
